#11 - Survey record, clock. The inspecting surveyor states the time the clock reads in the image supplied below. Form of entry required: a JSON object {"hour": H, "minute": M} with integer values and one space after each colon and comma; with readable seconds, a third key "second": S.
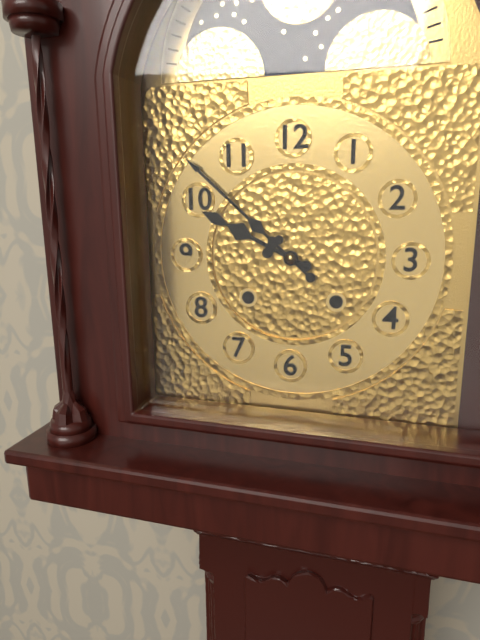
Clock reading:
{"hour": 9, "minute": 52}
